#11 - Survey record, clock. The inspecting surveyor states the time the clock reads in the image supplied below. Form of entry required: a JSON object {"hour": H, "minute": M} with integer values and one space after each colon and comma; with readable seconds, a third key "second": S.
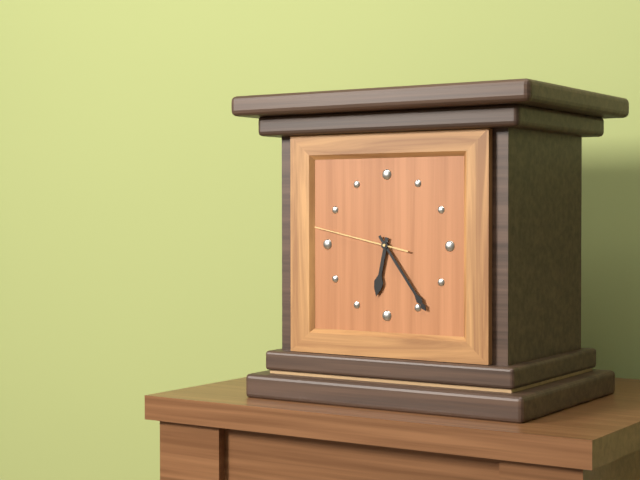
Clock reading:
{"hour": 6, "minute": 24, "second": 47}
